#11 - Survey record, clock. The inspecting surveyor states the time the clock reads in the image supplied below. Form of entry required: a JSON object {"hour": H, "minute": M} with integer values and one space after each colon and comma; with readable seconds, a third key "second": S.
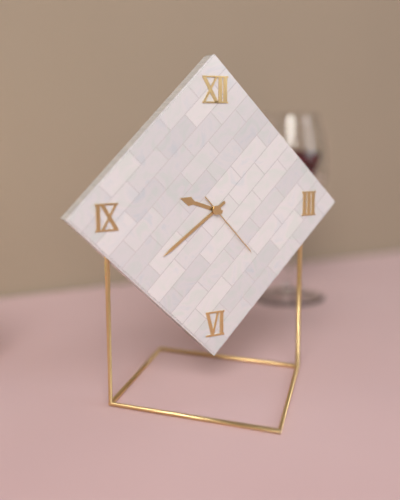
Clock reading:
{"hour": 9, "minute": 39, "second": 23}
